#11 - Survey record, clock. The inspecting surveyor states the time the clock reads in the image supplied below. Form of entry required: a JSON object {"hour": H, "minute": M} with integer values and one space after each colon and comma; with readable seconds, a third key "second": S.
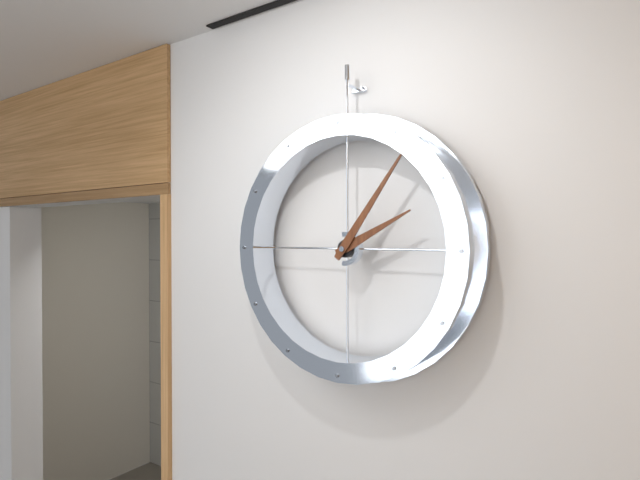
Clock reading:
{"hour": 2, "minute": 6}
